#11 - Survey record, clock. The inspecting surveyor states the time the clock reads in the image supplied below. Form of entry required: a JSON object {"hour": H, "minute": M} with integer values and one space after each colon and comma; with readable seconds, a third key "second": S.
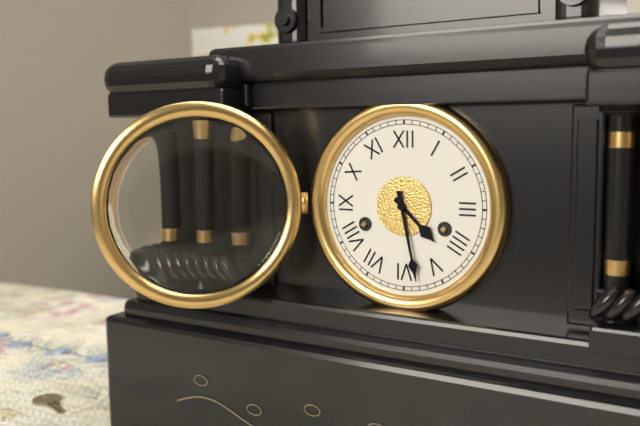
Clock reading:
{"hour": 4, "minute": 28}
